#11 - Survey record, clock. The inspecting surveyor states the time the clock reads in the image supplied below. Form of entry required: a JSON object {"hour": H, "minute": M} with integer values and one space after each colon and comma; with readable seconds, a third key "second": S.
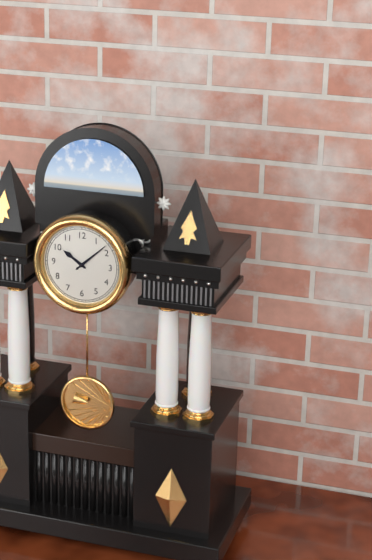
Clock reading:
{"hour": 10, "minute": 8}
